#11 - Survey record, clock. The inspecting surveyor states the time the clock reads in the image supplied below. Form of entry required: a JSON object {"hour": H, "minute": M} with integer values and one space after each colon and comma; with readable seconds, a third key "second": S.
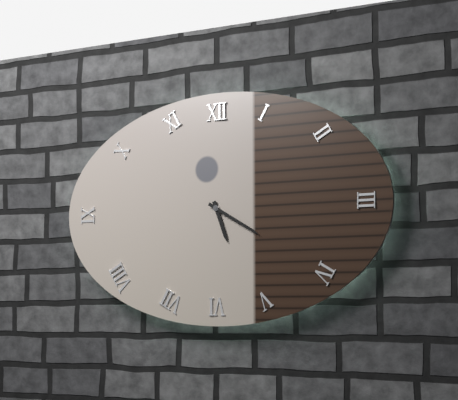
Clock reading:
{"hour": 5, "minute": 20}
